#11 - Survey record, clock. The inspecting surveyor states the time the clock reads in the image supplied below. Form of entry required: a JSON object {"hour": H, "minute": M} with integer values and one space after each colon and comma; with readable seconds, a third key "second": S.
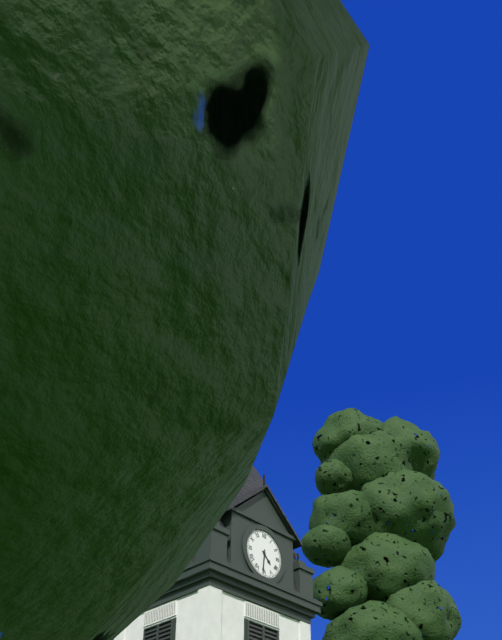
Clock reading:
{"hour": 4, "minute": 31}
